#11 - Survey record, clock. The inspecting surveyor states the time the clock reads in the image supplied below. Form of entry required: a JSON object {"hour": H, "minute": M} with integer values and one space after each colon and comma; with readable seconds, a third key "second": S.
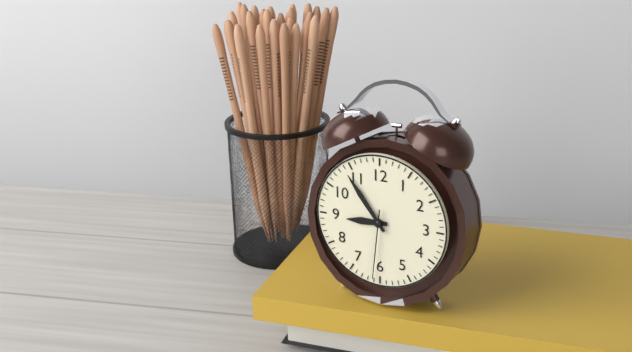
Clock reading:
{"hour": 8, "minute": 54, "second": 31}
